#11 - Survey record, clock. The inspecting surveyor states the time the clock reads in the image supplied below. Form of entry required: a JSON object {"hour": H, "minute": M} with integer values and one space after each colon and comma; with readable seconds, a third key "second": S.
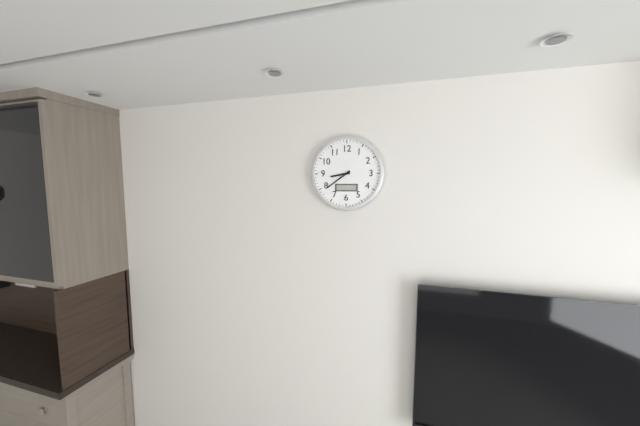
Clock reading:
{"hour": 8, "minute": 39}
